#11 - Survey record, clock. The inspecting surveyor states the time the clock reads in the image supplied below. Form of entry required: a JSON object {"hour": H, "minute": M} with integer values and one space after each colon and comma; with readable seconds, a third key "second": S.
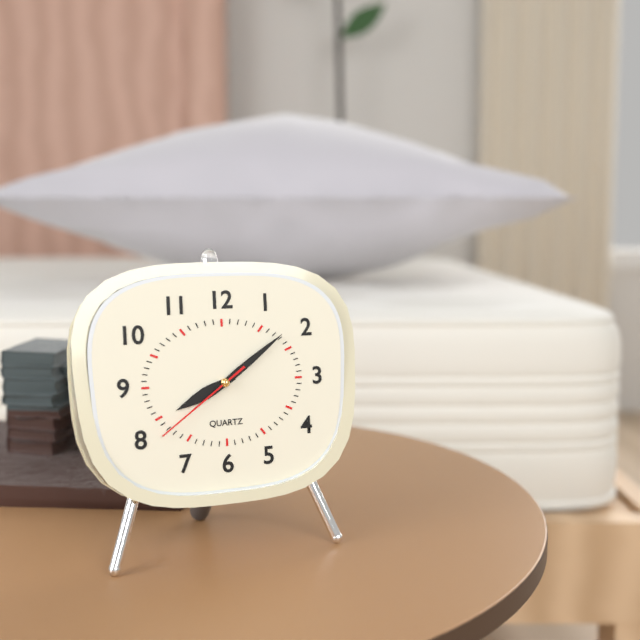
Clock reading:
{"hour": 8, "minute": 9, "second": 39}
